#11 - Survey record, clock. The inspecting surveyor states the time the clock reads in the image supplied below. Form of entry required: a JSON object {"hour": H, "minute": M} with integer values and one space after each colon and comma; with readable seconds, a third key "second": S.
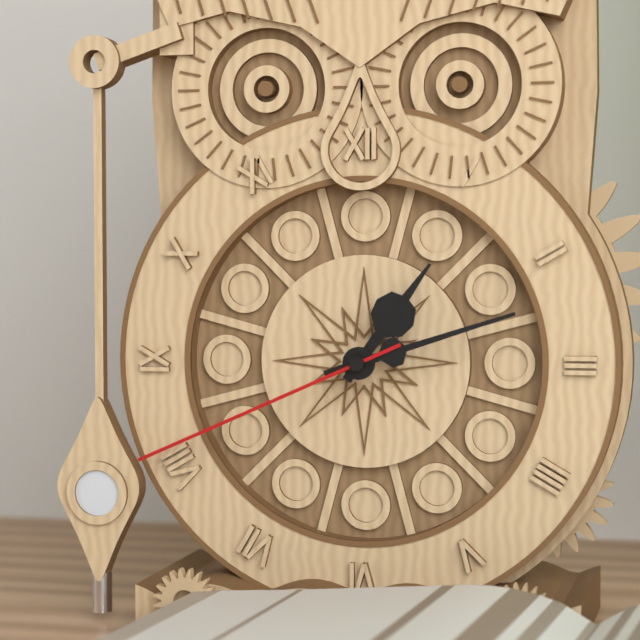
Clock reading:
{"hour": 1, "minute": 12, "second": 41}
